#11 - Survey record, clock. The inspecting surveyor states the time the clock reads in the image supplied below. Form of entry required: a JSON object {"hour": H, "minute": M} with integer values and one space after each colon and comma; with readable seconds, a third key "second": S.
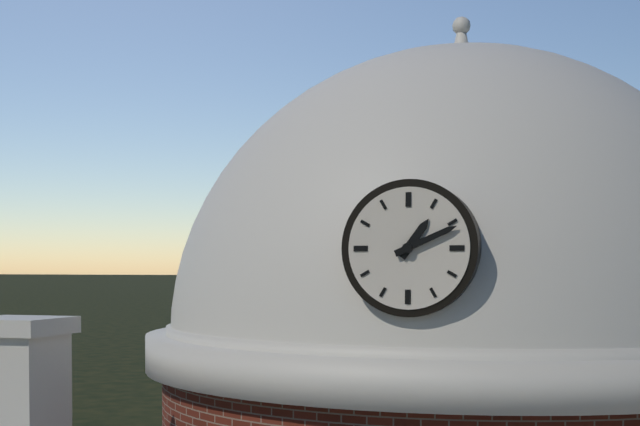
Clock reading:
{"hour": 1, "minute": 11}
